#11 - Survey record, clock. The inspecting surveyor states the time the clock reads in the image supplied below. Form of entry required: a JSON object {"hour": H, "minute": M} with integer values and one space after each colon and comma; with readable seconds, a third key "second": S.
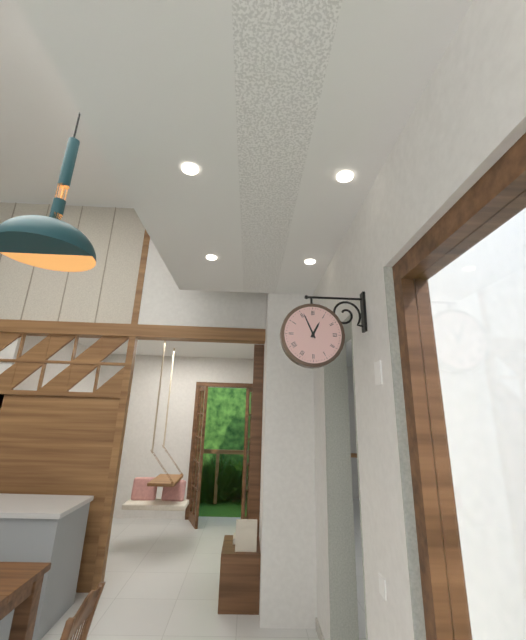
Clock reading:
{"hour": 12, "minute": 56}
